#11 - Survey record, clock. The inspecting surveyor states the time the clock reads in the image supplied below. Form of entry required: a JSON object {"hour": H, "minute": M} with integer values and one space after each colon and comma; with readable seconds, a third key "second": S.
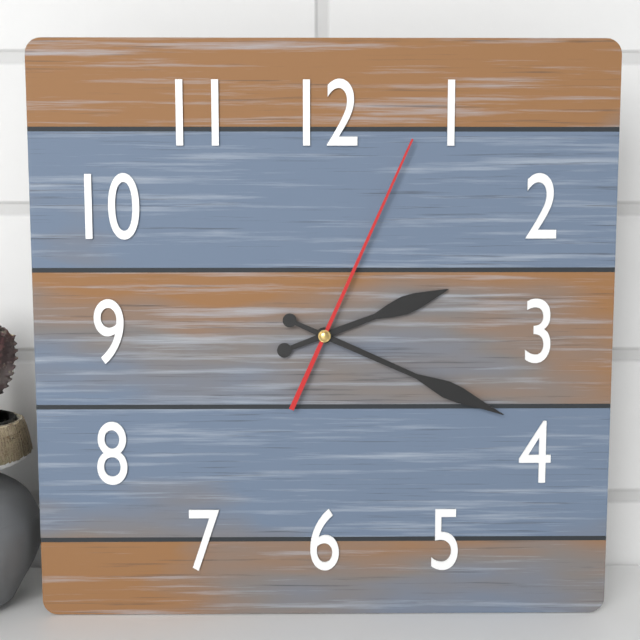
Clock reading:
{"hour": 2, "minute": 19, "second": 4}
